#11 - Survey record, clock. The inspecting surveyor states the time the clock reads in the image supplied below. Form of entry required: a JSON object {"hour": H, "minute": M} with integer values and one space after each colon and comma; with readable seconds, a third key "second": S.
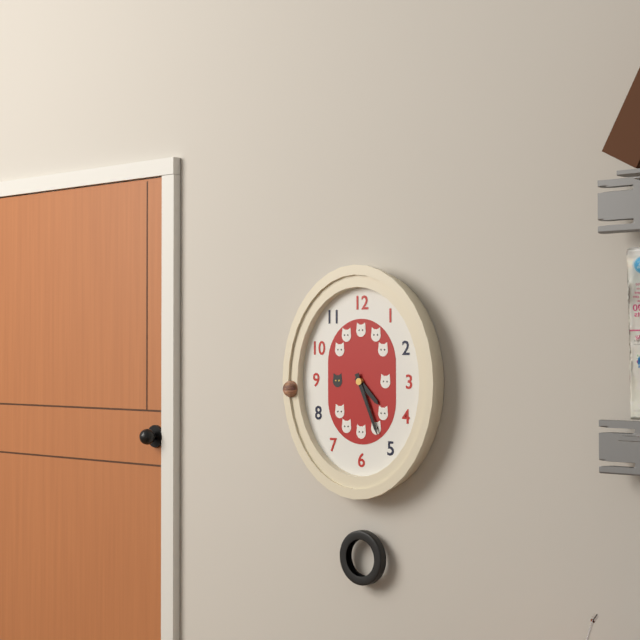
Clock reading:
{"hour": 4, "minute": 26}
